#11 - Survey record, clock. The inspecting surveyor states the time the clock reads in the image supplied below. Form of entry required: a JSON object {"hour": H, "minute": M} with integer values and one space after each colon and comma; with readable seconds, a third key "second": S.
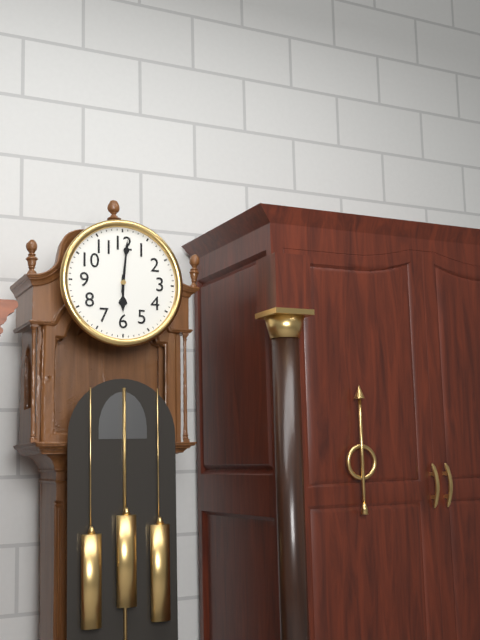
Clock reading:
{"hour": 6, "minute": 1}
